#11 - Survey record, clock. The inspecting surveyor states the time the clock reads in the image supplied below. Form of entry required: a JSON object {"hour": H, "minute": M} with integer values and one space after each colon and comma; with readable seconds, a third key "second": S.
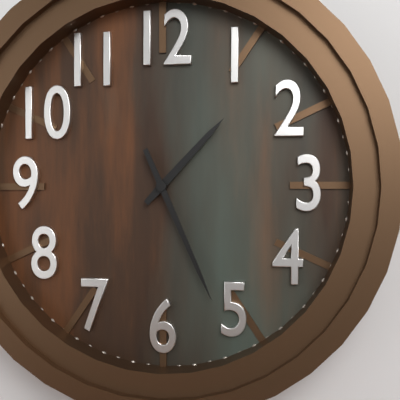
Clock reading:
{"hour": 1, "minute": 26}
